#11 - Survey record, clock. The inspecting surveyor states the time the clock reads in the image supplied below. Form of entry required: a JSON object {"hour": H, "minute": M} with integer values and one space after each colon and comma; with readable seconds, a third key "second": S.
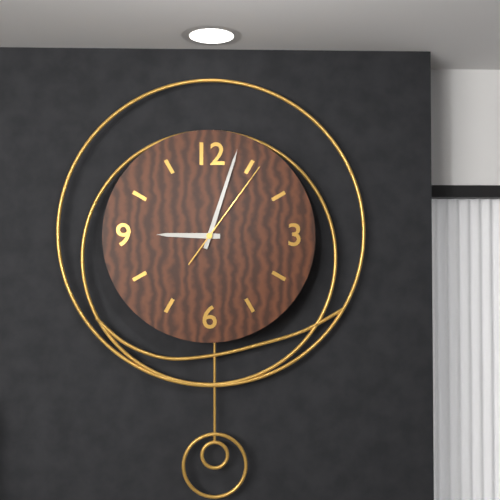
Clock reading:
{"hour": 9, "minute": 3, "second": 6}
